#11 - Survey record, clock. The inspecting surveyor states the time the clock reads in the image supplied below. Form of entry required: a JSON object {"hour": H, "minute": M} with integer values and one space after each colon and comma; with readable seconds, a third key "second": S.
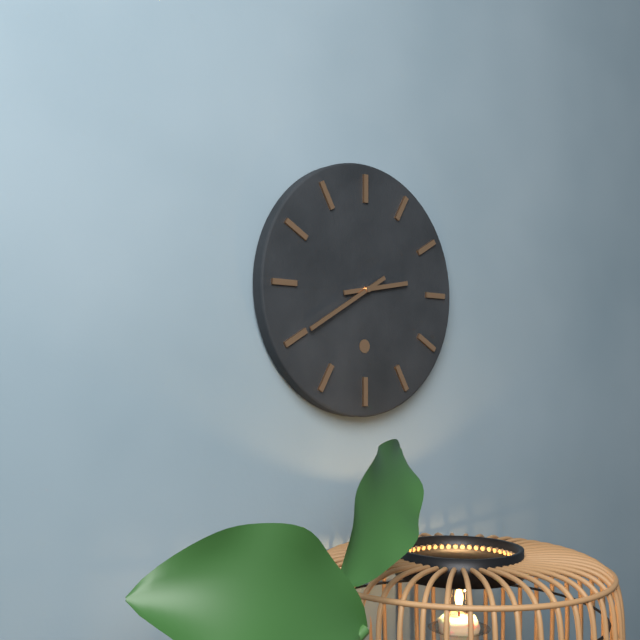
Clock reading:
{"hour": 2, "minute": 40}
